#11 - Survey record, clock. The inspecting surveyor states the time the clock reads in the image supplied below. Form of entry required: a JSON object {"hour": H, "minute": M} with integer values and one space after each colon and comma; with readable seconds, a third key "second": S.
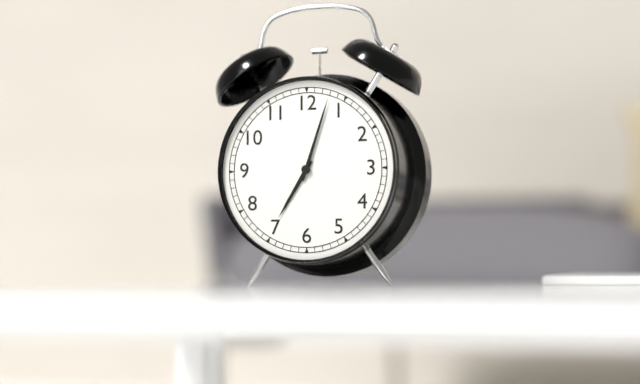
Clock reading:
{"hour": 7, "minute": 3}
